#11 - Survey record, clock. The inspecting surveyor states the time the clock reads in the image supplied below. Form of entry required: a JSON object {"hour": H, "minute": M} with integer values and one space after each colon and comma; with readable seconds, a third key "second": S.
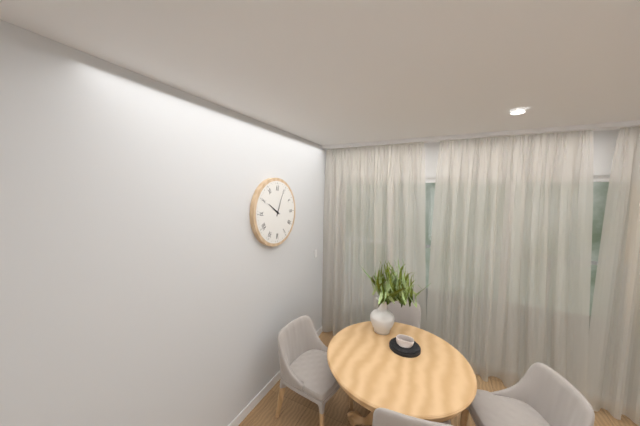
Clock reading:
{"hour": 10, "minute": 4}
